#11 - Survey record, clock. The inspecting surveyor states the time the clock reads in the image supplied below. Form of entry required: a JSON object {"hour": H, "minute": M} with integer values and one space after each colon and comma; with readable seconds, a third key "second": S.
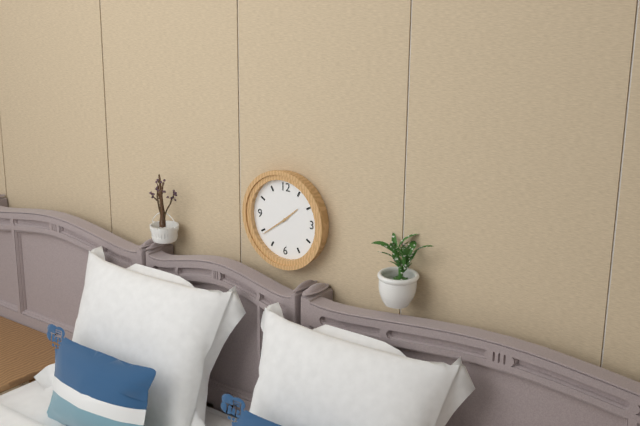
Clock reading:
{"hour": 1, "minute": 39}
